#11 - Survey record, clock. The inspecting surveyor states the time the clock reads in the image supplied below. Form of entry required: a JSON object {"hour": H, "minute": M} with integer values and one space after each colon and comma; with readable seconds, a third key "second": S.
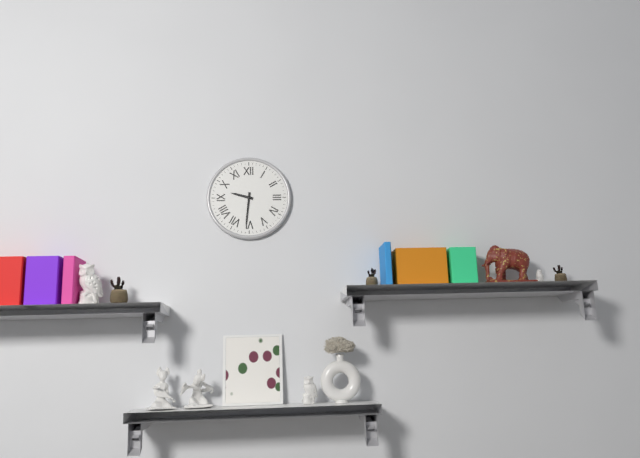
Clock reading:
{"hour": 9, "minute": 31}
